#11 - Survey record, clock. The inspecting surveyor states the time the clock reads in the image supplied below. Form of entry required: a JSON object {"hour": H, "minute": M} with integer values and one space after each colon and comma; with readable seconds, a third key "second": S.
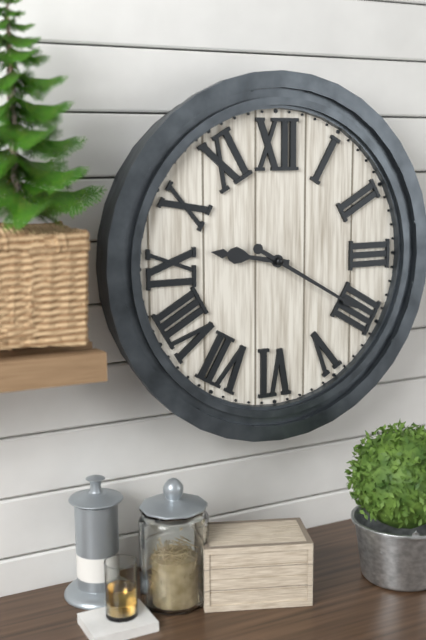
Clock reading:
{"hour": 9, "minute": 20}
